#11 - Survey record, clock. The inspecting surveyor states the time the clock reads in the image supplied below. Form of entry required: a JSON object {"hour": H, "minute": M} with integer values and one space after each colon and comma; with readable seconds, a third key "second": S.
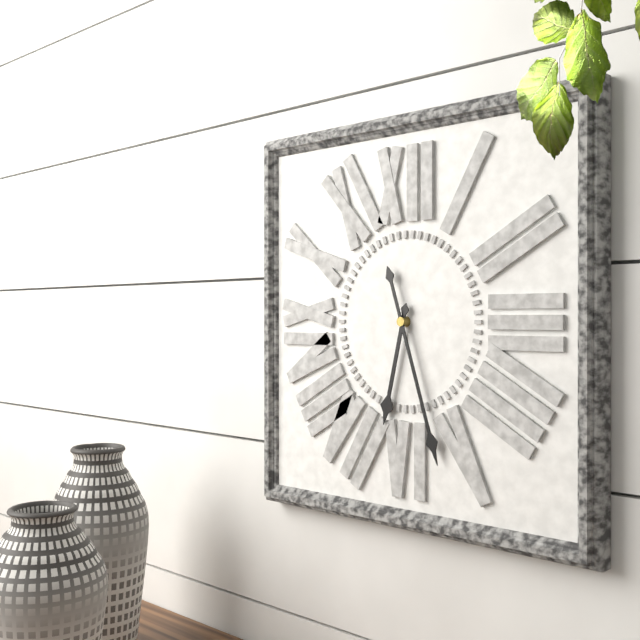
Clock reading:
{"hour": 6, "minute": 27}
